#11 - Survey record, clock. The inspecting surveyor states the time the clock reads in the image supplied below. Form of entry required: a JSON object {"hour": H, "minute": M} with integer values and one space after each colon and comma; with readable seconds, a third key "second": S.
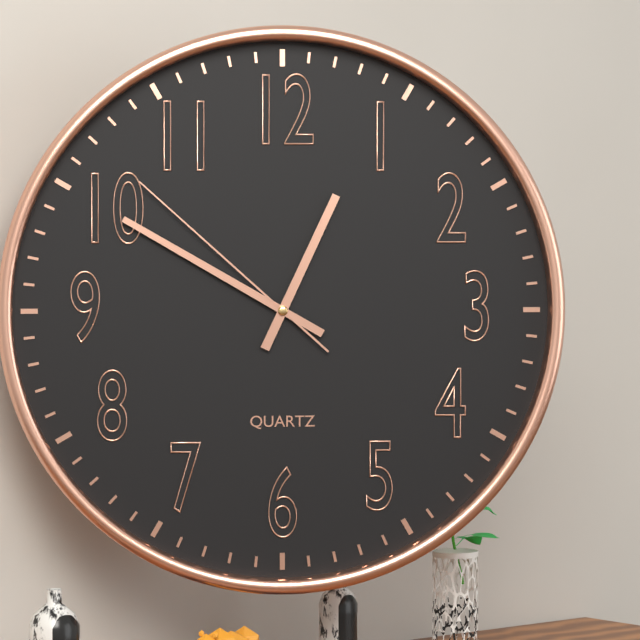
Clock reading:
{"hour": 12, "minute": 50, "second": 52}
